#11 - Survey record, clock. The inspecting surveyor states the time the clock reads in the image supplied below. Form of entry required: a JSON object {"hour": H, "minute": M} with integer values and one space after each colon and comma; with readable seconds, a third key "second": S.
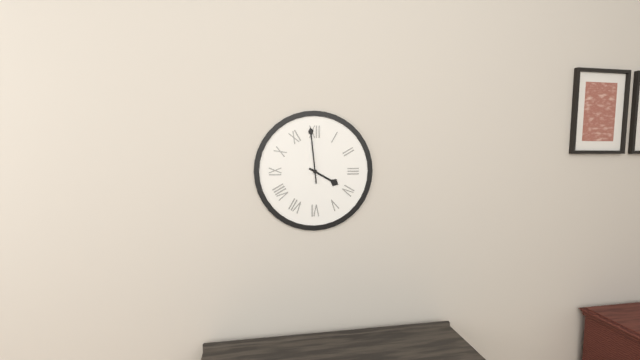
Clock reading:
{"hour": 3, "minute": 59}
